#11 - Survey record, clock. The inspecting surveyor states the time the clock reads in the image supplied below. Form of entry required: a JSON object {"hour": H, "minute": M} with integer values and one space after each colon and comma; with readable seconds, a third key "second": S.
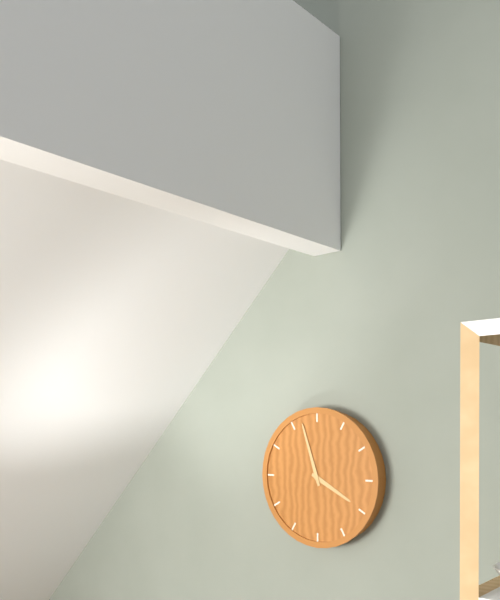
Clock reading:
{"hour": 3, "minute": 57}
